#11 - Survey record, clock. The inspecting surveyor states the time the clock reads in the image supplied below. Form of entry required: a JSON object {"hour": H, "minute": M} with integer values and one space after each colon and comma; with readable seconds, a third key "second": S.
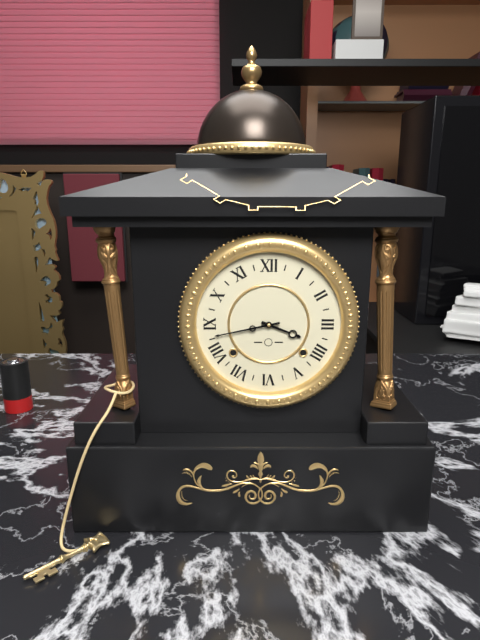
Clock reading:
{"hour": 3, "minute": 43}
